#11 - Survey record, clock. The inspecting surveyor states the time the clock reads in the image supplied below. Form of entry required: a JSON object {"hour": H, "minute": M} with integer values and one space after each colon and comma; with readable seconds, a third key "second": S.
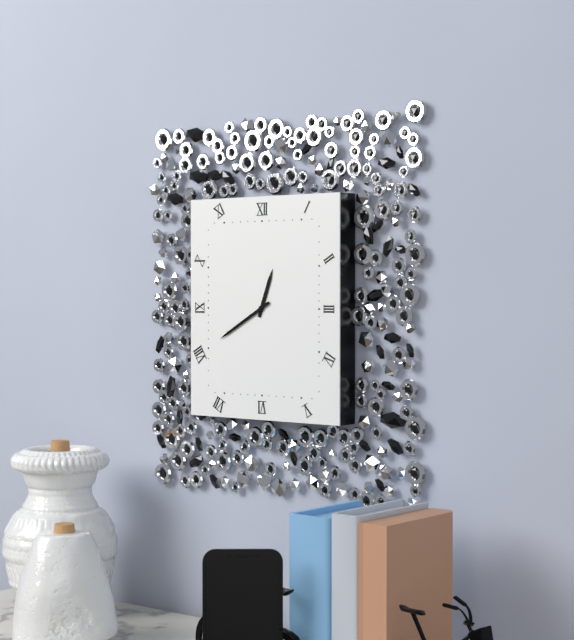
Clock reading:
{"hour": 12, "minute": 40}
